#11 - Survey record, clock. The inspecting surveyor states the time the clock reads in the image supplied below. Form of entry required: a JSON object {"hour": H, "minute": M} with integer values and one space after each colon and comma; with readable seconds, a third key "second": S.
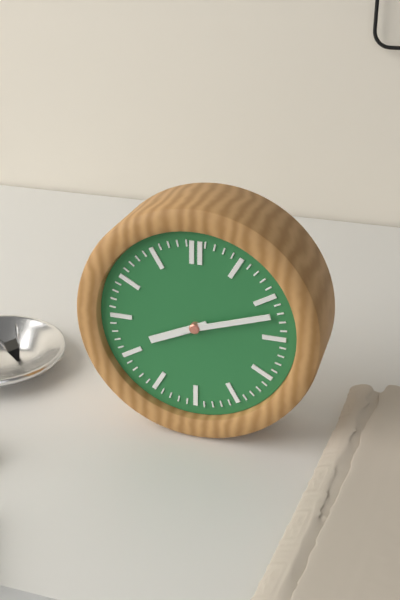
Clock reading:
{"hour": 8, "minute": 12}
